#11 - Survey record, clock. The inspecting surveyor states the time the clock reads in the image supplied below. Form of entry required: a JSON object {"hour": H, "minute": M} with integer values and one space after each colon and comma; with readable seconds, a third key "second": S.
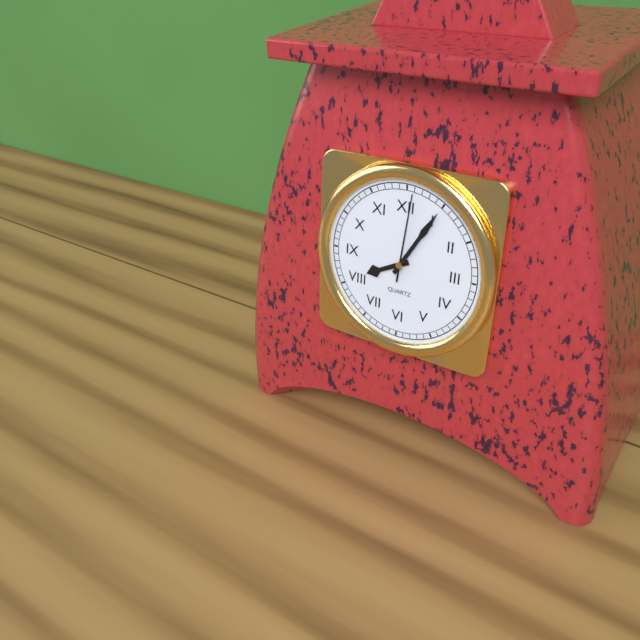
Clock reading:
{"hour": 8, "minute": 5, "second": 1}
